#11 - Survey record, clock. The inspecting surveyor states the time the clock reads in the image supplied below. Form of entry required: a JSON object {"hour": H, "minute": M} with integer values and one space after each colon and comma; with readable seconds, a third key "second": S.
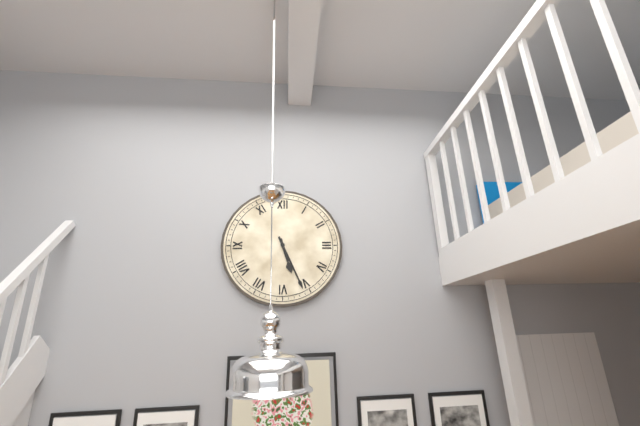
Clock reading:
{"hour": 5, "minute": 26}
